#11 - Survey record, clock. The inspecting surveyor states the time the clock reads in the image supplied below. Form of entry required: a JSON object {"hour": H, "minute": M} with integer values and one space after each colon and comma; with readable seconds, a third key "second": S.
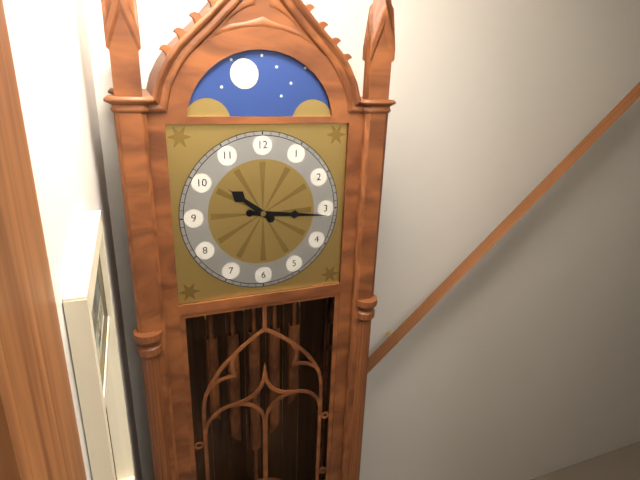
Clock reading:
{"hour": 10, "minute": 16}
